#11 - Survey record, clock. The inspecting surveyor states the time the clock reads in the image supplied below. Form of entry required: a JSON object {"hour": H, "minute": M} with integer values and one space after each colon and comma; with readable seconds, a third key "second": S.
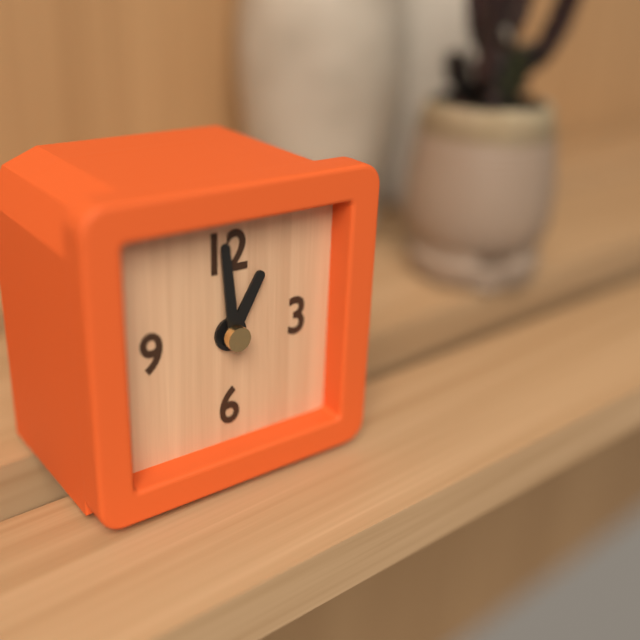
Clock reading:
{"hour": 12, "minute": 59}
